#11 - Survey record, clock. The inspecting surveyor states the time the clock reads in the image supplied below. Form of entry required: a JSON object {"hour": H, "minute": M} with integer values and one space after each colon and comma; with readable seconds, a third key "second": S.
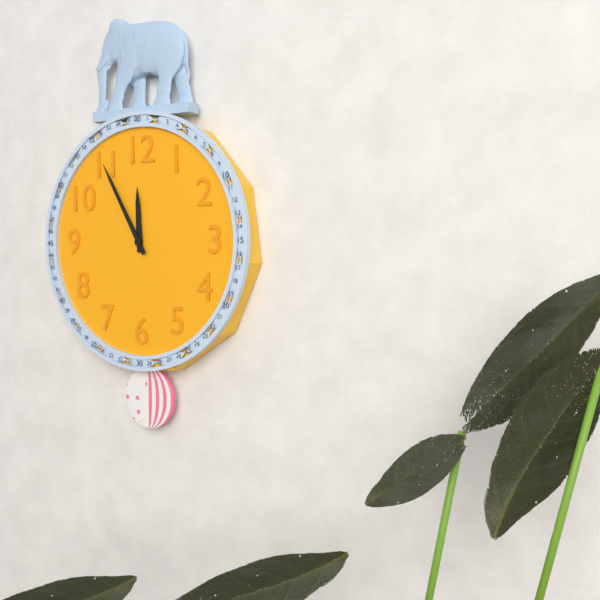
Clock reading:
{"hour": 11, "minute": 55}
